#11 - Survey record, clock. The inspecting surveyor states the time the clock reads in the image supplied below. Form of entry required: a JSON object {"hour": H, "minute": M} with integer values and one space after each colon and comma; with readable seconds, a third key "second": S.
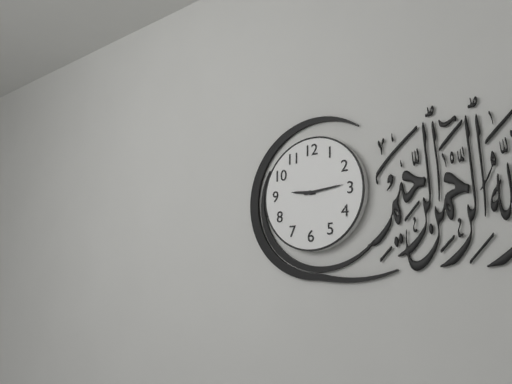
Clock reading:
{"hour": 9, "minute": 14}
